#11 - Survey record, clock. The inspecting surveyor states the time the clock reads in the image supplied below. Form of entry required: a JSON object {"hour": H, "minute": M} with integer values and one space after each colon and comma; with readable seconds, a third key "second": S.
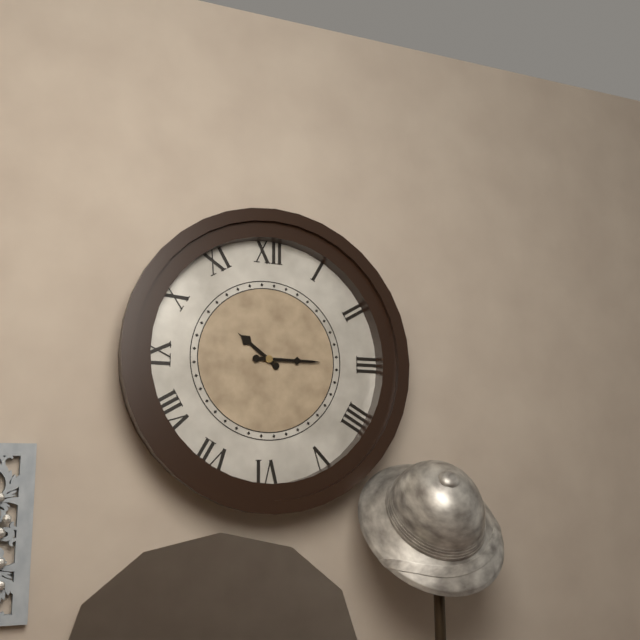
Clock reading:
{"hour": 10, "minute": 15}
